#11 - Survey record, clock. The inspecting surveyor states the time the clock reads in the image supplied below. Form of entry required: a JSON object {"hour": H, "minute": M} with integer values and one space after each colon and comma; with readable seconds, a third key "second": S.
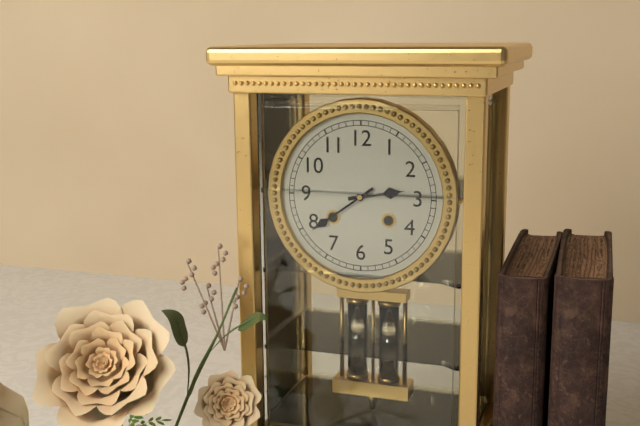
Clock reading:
{"hour": 2, "minute": 39}
